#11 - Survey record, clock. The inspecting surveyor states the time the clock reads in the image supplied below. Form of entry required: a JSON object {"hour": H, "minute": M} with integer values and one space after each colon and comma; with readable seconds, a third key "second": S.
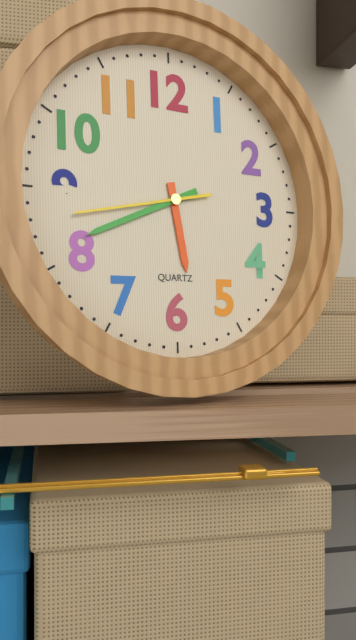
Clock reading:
{"hour": 5, "minute": 41, "second": 43}
